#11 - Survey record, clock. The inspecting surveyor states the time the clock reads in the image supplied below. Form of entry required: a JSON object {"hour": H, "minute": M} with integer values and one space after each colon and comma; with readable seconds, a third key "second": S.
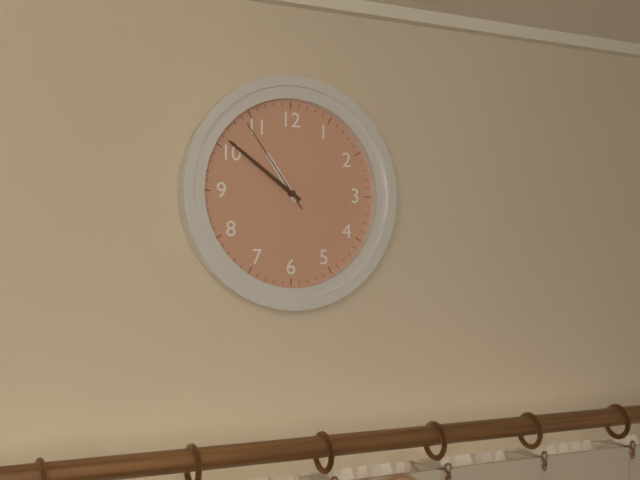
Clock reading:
{"hour": 10, "minute": 51, "second": 54}
